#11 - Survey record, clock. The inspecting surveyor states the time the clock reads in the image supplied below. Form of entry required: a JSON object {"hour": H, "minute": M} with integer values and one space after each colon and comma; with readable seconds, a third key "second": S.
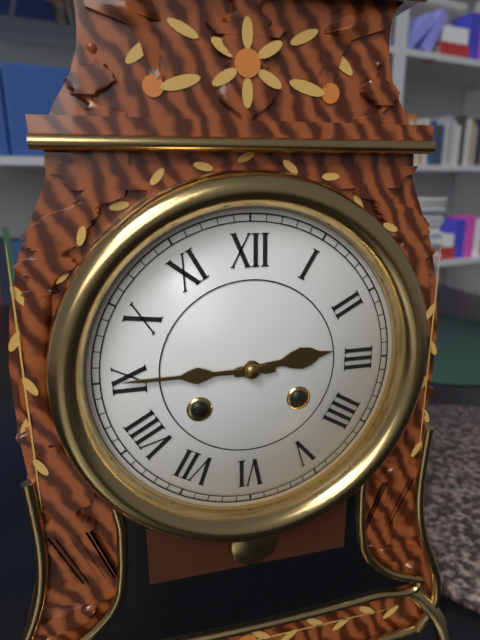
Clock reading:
{"hour": 2, "minute": 45}
